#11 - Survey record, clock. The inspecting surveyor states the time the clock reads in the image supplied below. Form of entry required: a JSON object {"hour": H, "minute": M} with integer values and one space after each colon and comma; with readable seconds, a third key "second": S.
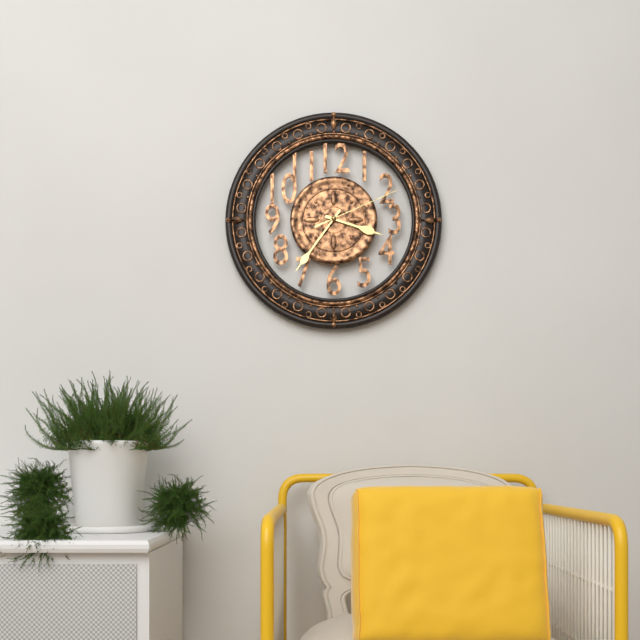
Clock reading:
{"hour": 3, "minute": 36, "second": 11}
